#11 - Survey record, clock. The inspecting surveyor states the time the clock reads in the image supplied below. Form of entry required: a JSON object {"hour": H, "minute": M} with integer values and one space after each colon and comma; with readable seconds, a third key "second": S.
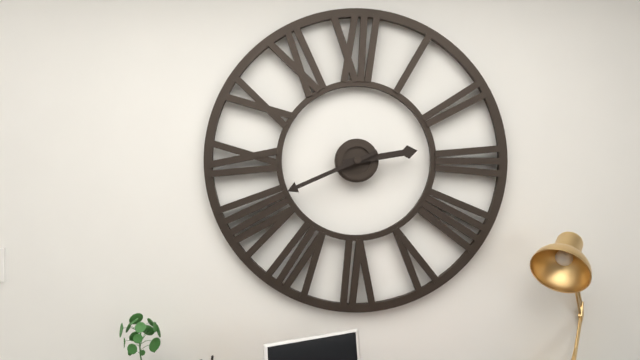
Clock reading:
{"hour": 2, "minute": 41}
